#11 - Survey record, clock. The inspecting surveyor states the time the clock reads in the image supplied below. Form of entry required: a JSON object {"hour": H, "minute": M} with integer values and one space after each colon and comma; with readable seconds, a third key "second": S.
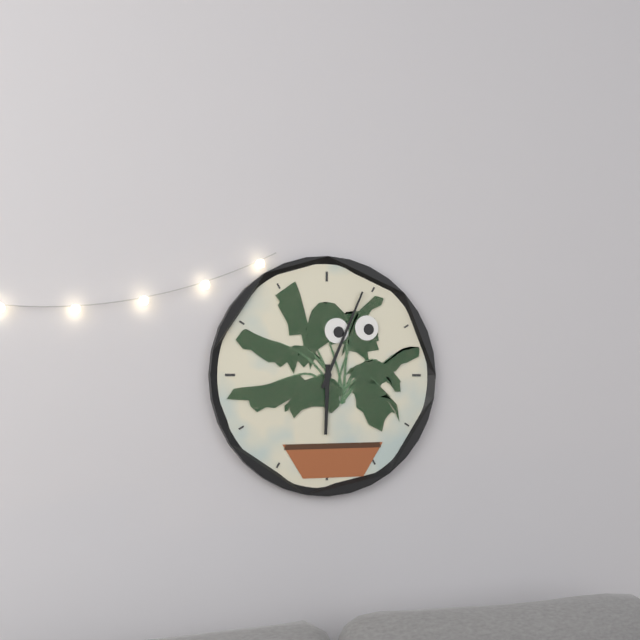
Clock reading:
{"hour": 6, "minute": 4}
